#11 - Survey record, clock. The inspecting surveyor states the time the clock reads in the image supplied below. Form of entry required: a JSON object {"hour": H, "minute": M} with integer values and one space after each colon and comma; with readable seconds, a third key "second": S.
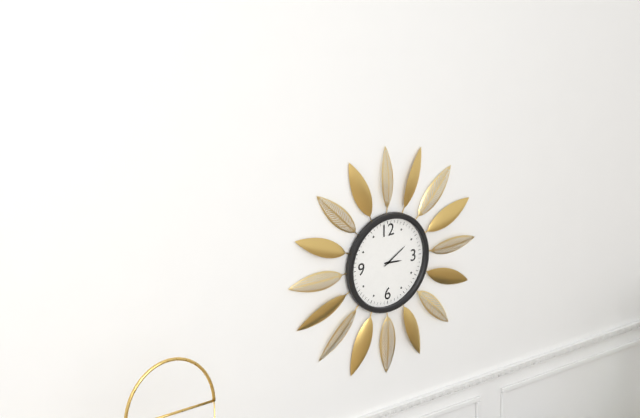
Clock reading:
{"hour": 3, "minute": 10}
